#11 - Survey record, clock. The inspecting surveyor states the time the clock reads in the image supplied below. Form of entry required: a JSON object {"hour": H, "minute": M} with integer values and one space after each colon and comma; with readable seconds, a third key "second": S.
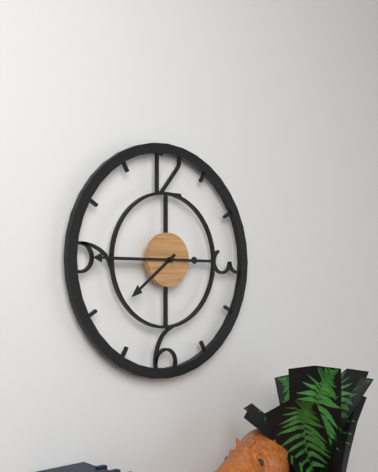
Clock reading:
{"hour": 7, "minute": 45}
